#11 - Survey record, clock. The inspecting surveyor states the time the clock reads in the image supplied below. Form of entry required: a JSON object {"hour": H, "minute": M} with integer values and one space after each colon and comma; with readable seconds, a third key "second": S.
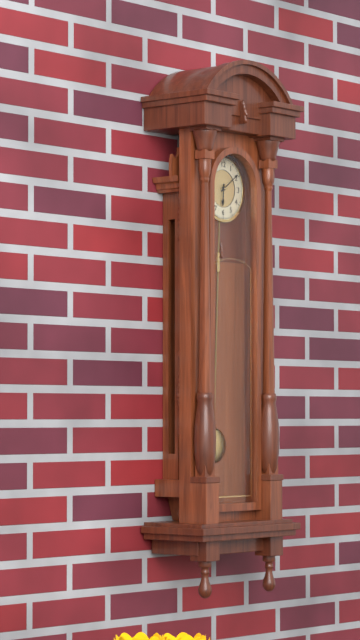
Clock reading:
{"hour": 6, "minute": 9}
